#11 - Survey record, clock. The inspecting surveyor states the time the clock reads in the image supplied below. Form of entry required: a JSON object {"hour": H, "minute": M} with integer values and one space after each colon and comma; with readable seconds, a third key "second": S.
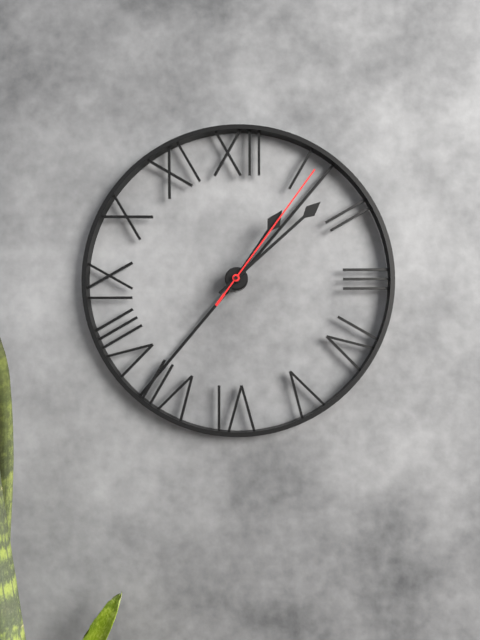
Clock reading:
{"hour": 1, "minute": 8, "second": 6}
